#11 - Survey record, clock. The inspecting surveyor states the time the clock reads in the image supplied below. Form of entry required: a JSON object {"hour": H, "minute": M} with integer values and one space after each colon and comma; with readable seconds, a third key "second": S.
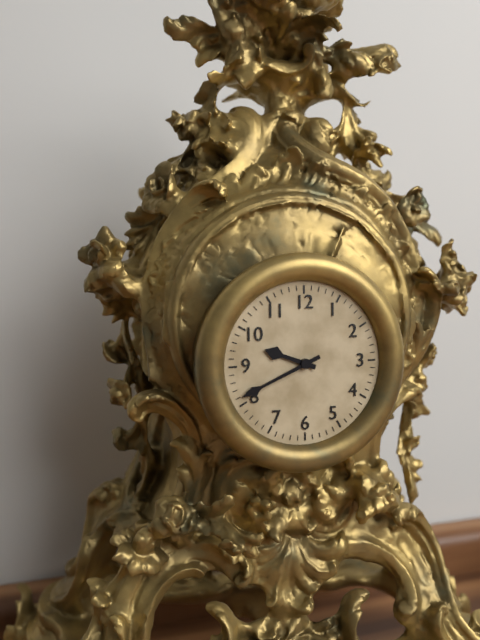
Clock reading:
{"hour": 9, "minute": 41}
